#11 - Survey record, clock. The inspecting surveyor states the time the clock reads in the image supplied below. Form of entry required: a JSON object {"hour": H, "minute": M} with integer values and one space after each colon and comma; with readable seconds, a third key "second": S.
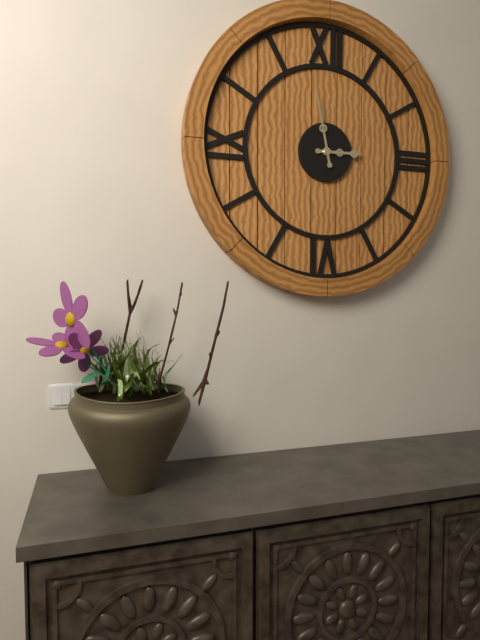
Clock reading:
{"hour": 2, "minute": 58}
